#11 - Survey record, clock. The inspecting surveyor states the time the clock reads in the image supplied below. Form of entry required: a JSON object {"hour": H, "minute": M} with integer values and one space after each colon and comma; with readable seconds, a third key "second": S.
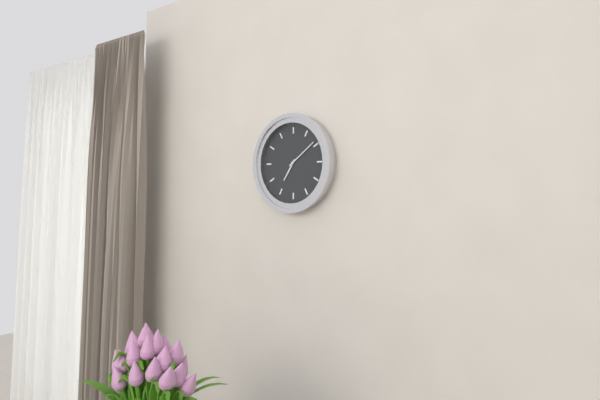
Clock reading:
{"hour": 7, "minute": 9}
